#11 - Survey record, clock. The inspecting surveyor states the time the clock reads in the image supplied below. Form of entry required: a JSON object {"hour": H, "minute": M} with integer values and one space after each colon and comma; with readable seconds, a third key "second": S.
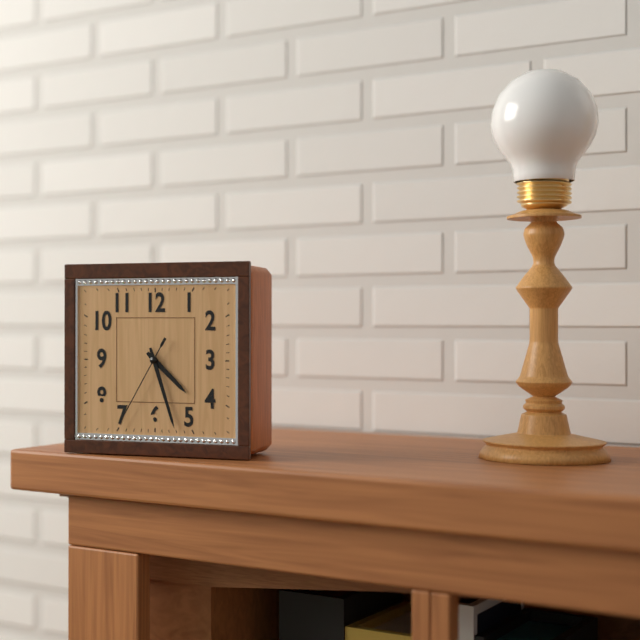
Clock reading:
{"hour": 4, "minute": 27, "second": 35}
